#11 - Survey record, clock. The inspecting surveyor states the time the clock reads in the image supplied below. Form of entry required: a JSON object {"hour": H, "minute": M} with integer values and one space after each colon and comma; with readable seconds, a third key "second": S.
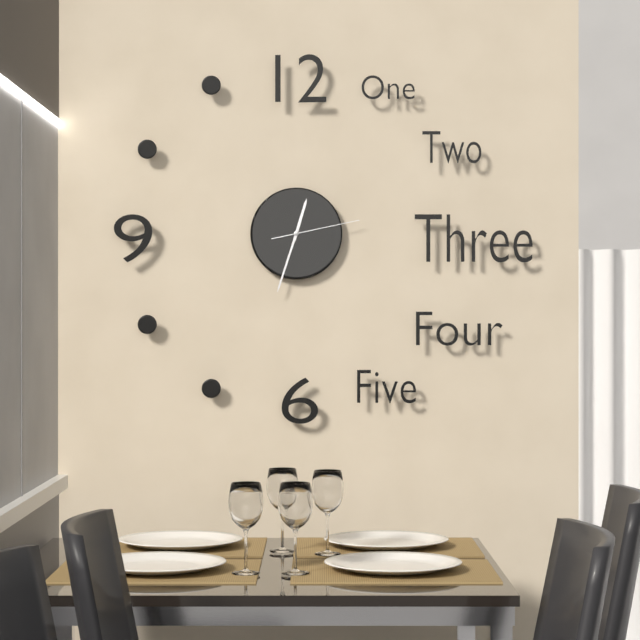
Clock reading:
{"hour": 12, "minute": 33, "second": 13}
